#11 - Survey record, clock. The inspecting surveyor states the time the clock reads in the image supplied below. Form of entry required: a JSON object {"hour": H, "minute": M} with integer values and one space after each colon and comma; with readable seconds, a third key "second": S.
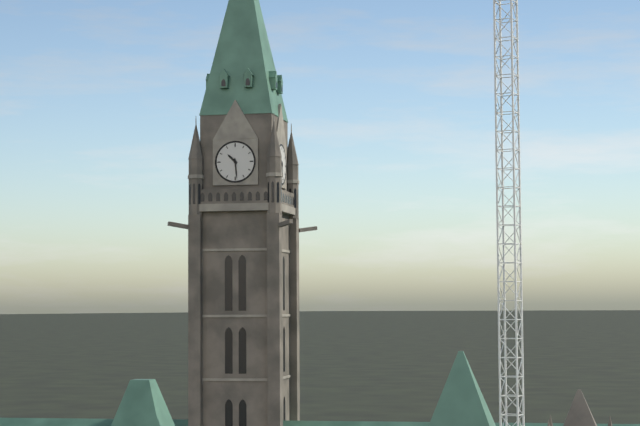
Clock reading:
{"hour": 10, "minute": 29}
